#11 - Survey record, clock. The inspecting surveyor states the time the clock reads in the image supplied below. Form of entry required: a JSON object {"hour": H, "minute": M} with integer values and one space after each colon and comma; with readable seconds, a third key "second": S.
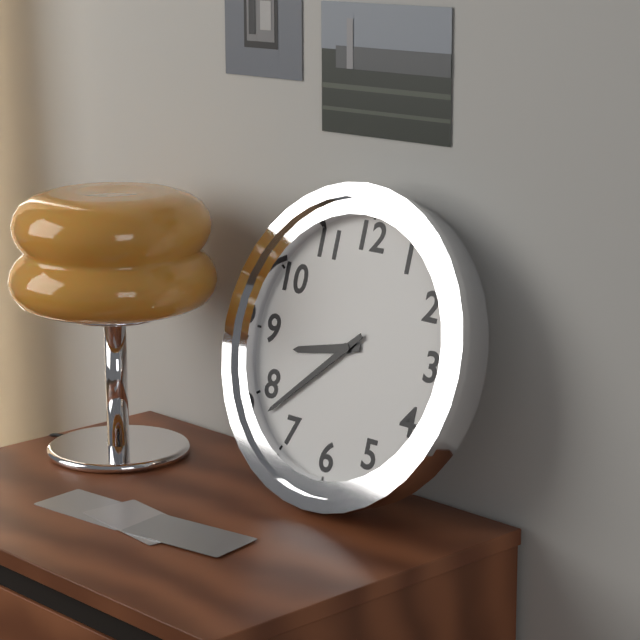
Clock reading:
{"hour": 8, "minute": 38}
